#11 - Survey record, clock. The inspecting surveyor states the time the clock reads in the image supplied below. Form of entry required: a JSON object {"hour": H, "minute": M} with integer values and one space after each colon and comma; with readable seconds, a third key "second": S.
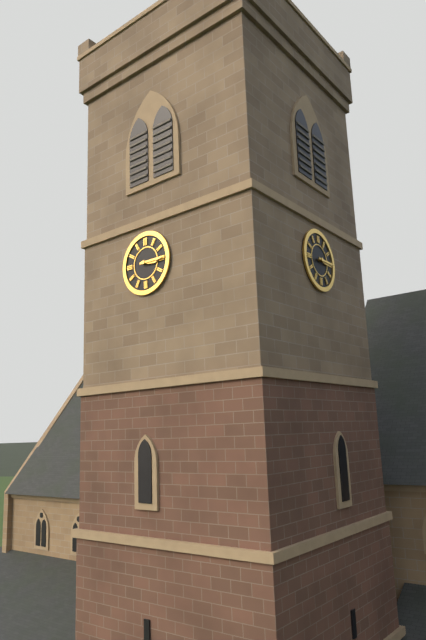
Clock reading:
{"hour": 3, "minute": 15}
